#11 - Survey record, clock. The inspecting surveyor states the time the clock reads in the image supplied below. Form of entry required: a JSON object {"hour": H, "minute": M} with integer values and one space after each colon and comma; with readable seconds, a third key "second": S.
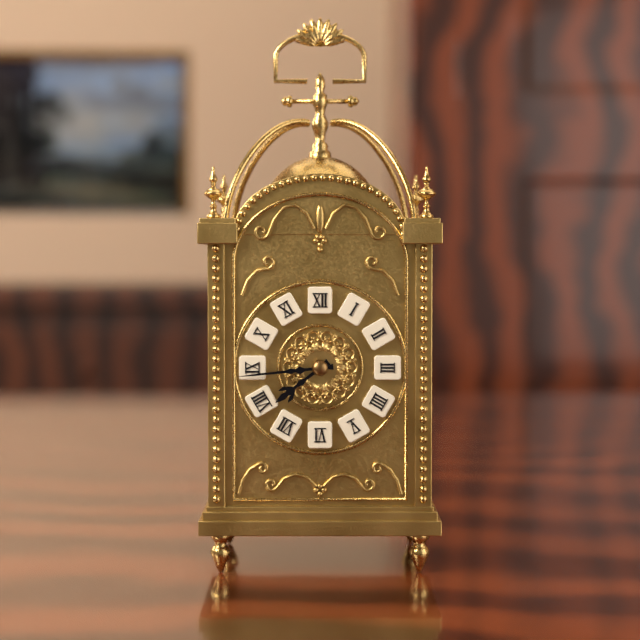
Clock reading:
{"hour": 7, "minute": 44}
